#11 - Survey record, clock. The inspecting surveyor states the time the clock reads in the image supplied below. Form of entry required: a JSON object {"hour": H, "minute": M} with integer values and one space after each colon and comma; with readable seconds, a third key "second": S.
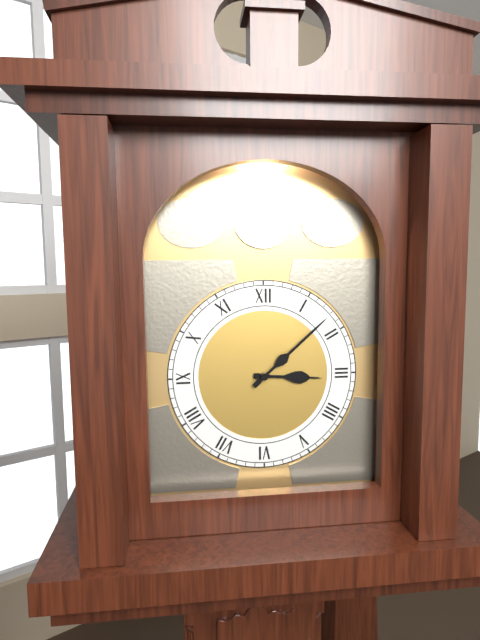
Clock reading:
{"hour": 3, "minute": 8}
